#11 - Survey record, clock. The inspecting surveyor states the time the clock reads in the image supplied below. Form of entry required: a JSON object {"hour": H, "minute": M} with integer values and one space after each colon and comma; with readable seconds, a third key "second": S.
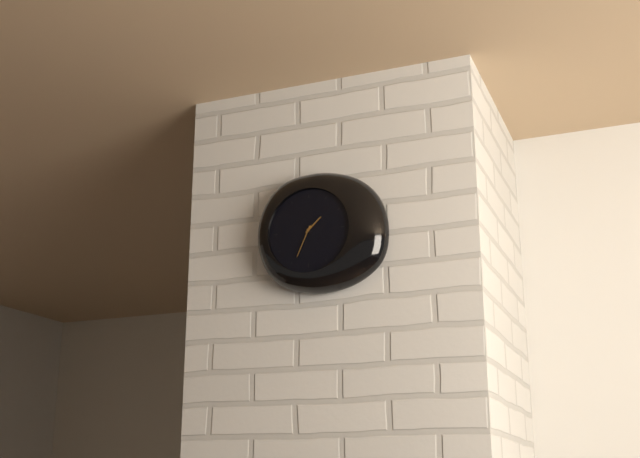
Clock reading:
{"hour": 1, "minute": 34}
